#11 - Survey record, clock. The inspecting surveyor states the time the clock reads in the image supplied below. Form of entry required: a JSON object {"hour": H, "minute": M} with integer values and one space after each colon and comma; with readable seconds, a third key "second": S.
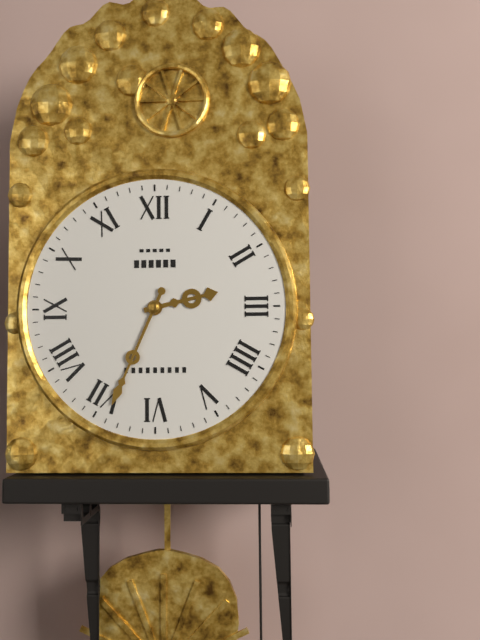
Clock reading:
{"hour": 2, "minute": 34}
